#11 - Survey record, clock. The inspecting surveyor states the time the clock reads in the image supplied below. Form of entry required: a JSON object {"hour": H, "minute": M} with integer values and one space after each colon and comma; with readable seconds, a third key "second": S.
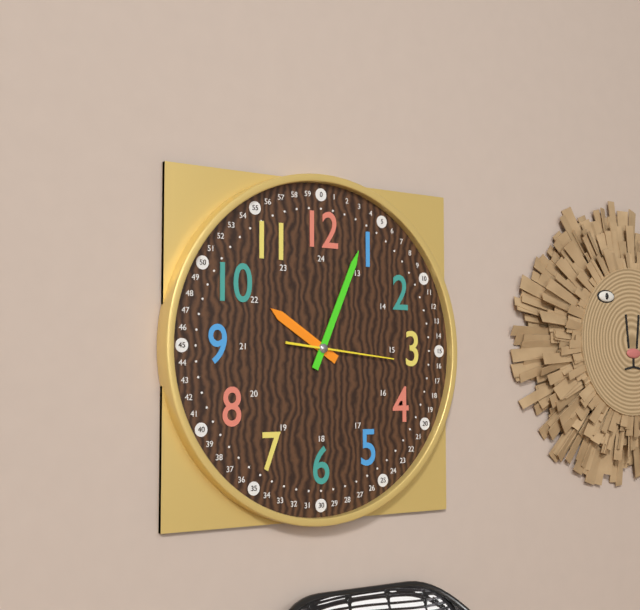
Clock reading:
{"hour": 10, "minute": 4, "second": 16}
